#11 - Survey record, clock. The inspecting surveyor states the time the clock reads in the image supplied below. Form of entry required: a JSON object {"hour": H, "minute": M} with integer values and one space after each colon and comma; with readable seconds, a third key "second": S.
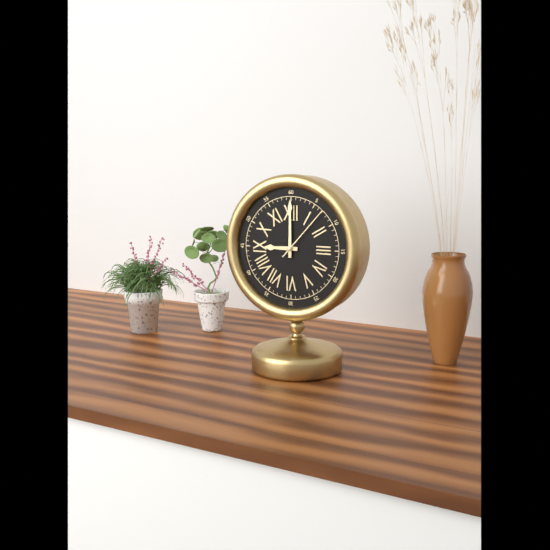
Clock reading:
{"hour": 9, "minute": 0, "second": 7}
